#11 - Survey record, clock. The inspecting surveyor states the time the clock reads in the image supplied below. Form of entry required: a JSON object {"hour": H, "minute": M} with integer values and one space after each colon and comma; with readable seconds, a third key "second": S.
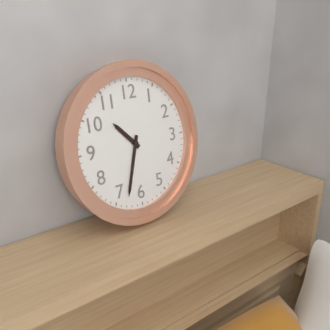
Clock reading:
{"hour": 10, "minute": 33}
